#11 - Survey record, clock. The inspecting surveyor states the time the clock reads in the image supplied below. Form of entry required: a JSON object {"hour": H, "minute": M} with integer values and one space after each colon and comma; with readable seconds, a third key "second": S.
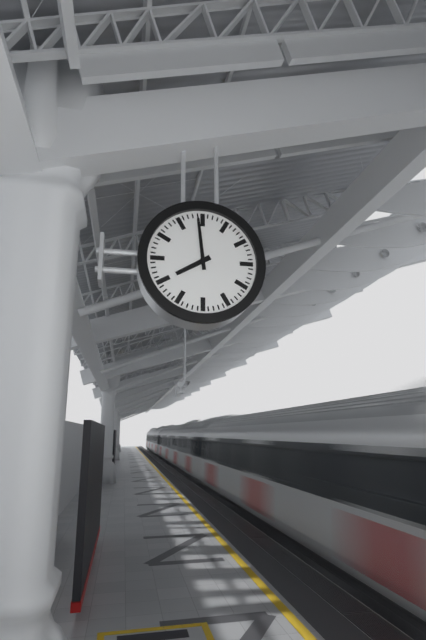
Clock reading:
{"hour": 7, "minute": 59}
